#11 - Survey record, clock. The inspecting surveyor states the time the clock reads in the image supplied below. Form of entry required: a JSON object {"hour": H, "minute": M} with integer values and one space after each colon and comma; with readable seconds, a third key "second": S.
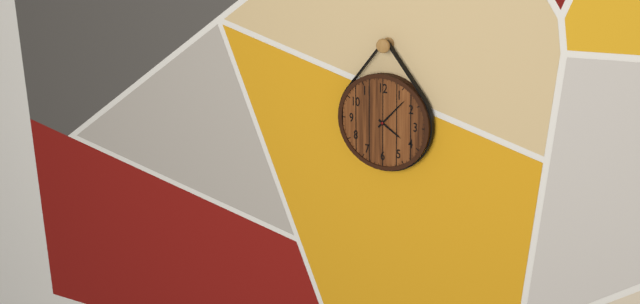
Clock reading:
{"hour": 4, "minute": 7}
